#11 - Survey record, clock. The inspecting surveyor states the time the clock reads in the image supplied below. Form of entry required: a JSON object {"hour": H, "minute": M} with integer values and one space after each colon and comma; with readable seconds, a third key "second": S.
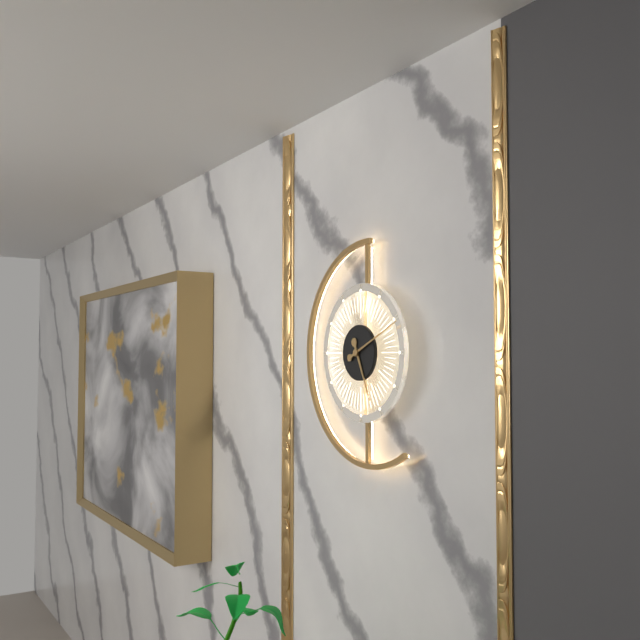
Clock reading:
{"hour": 5, "minute": 11}
